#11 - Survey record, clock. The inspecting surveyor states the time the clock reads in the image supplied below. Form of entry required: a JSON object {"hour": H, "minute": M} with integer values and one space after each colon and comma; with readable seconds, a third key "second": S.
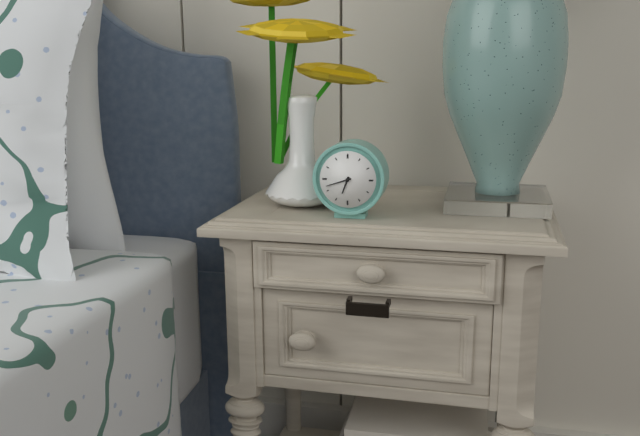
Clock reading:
{"hour": 6, "minute": 42}
